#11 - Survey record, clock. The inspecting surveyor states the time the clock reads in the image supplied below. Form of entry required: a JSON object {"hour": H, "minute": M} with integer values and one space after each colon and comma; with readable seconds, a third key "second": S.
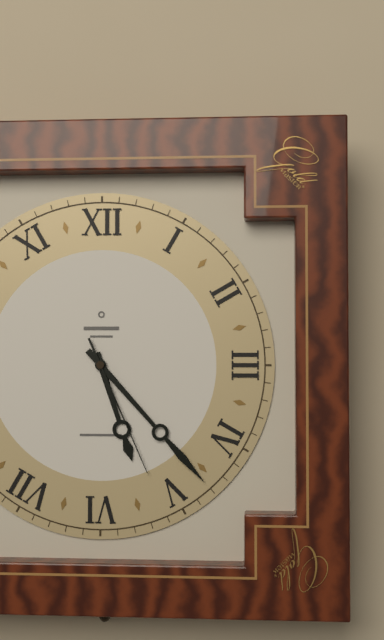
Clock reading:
{"hour": 5, "minute": 23, "second": 26}
